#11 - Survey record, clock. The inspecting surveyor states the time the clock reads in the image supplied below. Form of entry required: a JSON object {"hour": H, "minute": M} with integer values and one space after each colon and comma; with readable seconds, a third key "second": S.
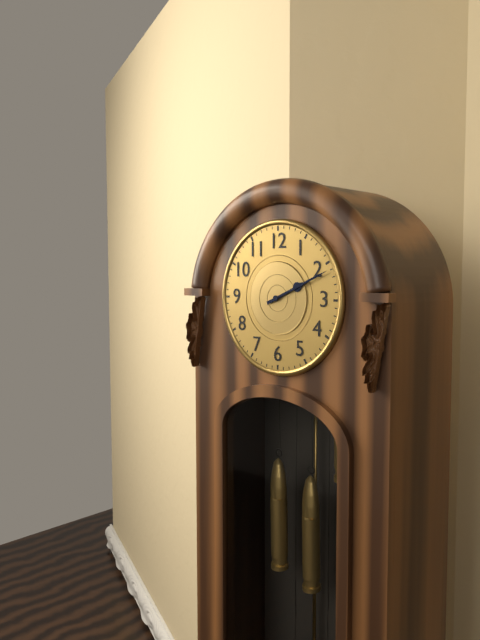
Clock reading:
{"hour": 2, "minute": 11}
